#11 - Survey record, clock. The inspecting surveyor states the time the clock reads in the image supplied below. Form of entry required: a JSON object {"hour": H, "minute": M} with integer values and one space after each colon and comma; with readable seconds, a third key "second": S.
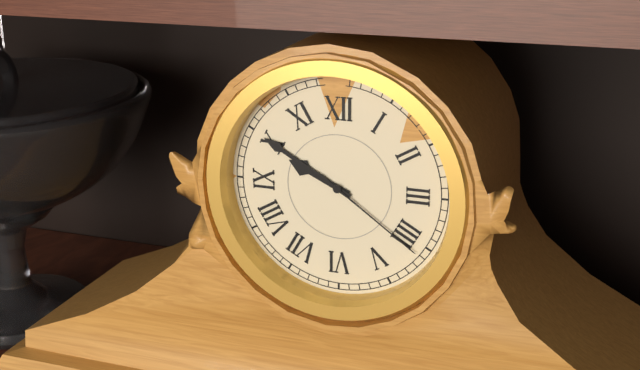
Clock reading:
{"hour": 9, "minute": 50, "second": 21}
